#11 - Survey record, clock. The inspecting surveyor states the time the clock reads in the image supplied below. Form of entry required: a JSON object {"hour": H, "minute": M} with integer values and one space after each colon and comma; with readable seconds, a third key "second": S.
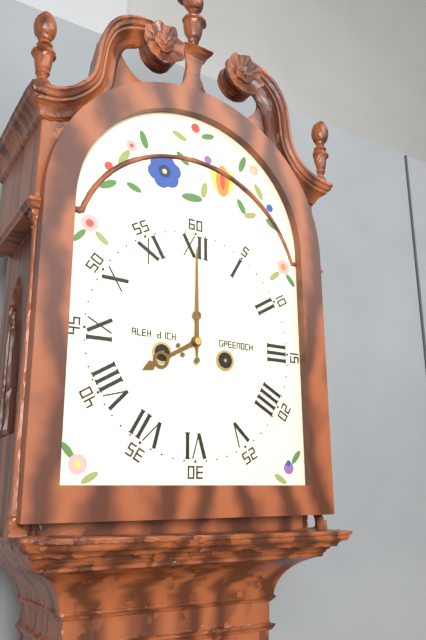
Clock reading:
{"hour": 8, "minute": 0}
